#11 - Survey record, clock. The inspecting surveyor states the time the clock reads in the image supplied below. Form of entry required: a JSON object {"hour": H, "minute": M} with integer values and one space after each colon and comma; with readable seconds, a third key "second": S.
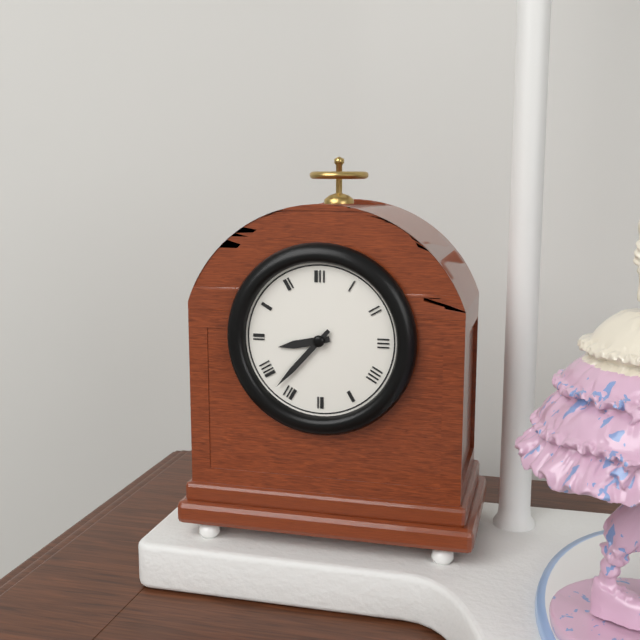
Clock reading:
{"hour": 8, "minute": 37}
